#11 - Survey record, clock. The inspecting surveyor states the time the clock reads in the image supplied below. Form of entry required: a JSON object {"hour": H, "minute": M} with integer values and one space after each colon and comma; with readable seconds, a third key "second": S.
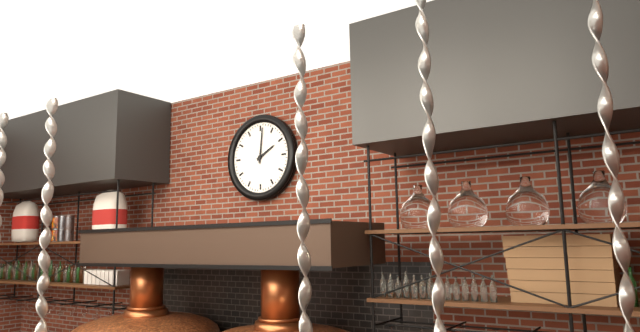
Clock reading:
{"hour": 2, "minute": 1}
